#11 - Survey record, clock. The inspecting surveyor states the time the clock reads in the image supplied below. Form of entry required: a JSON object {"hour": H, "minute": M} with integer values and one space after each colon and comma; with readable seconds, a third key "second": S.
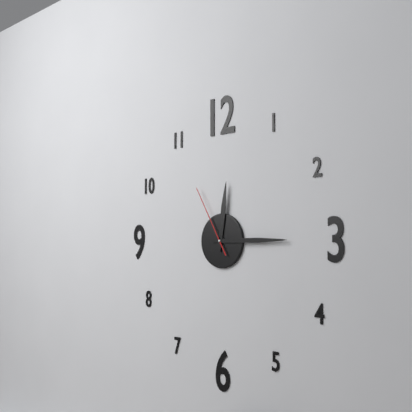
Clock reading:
{"hour": 12, "minute": 15, "second": 55}
